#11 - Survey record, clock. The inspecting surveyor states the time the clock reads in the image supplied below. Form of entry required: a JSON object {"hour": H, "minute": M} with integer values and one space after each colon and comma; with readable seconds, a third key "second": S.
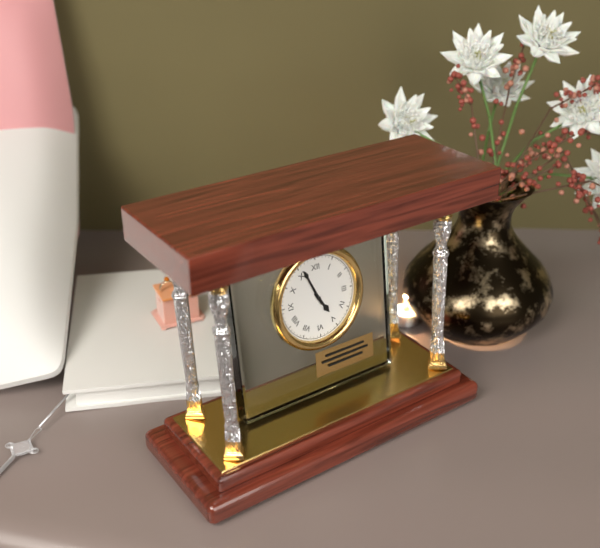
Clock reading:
{"hour": 4, "minute": 56}
